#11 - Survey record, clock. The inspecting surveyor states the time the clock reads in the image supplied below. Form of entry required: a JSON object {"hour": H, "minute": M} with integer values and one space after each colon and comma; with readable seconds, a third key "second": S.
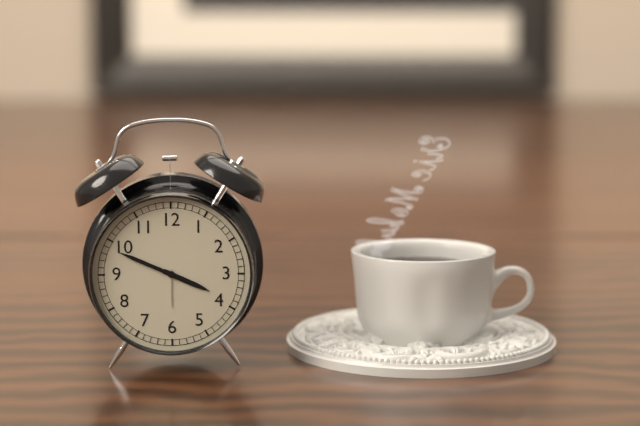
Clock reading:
{"hour": 3, "minute": 49}
